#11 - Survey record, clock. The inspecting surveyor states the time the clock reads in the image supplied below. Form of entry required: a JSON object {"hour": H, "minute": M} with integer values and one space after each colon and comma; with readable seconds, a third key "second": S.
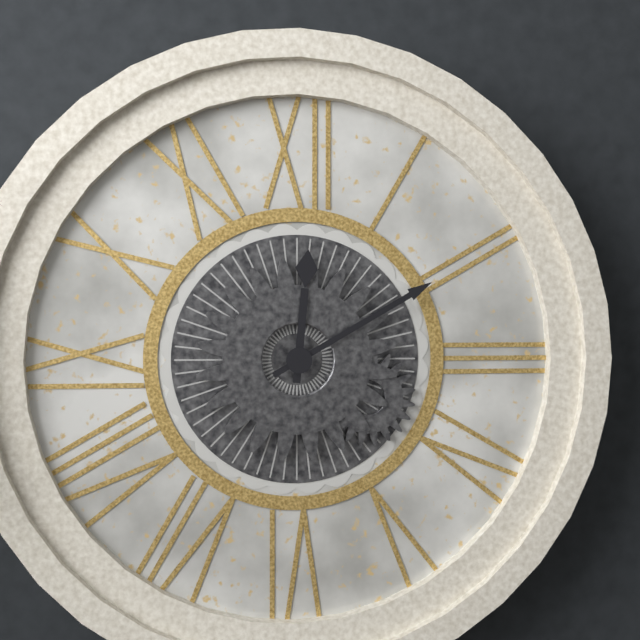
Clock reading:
{"hour": 12, "minute": 10}
